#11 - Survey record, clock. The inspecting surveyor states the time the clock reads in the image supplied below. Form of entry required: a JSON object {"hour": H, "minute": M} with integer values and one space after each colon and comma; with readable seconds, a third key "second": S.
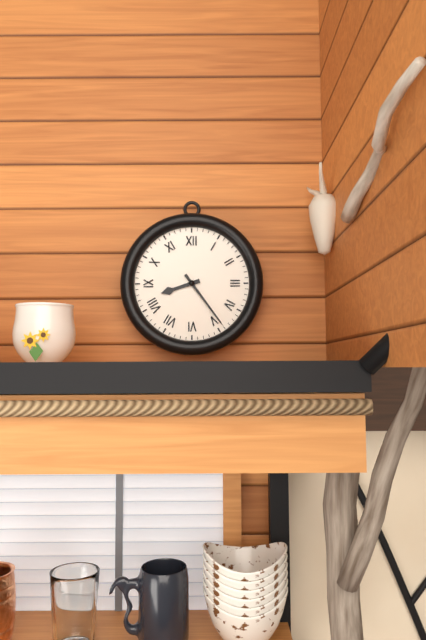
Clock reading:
{"hour": 8, "minute": 24}
